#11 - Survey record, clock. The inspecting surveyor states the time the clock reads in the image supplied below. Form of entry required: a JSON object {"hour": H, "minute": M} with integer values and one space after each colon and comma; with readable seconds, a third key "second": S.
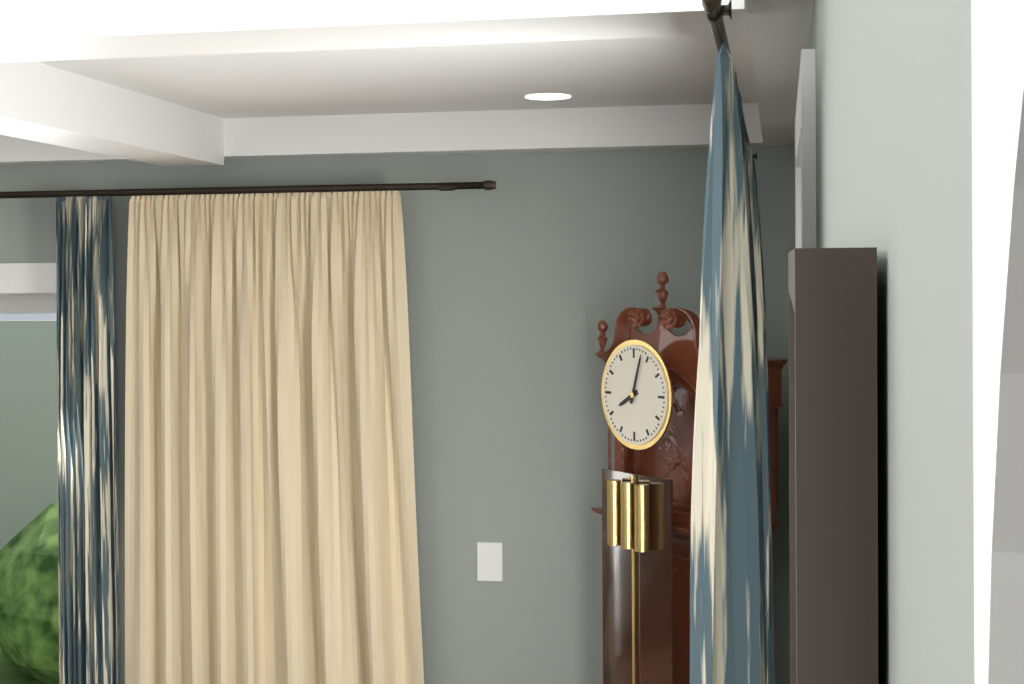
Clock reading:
{"hour": 8, "minute": 3}
